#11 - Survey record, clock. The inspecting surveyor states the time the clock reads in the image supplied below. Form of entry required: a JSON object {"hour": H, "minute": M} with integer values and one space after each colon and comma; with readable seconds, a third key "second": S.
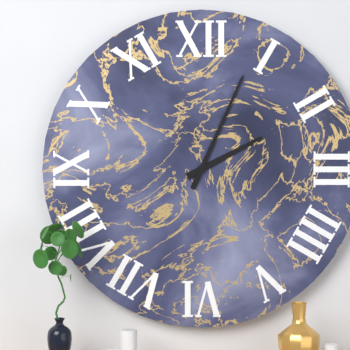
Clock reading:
{"hour": 2, "minute": 4}
